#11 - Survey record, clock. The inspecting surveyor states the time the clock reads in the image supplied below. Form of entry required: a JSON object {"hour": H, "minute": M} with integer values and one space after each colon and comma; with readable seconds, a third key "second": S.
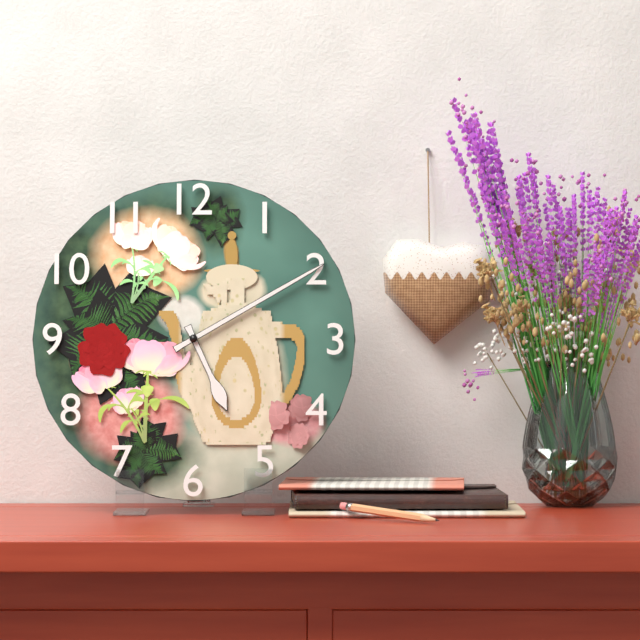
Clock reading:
{"hour": 5, "minute": 10}
